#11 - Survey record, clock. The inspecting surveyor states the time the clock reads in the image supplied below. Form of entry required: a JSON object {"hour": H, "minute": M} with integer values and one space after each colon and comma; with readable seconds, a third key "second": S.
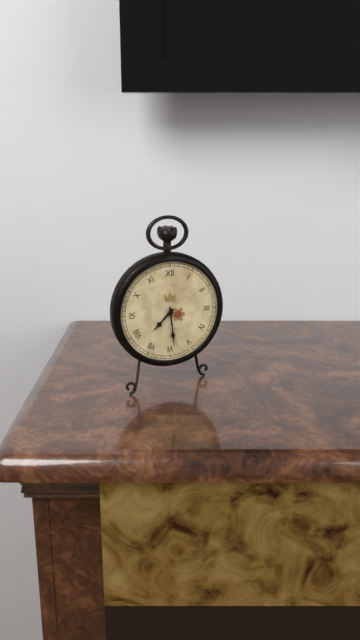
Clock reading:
{"hour": 7, "minute": 29}
